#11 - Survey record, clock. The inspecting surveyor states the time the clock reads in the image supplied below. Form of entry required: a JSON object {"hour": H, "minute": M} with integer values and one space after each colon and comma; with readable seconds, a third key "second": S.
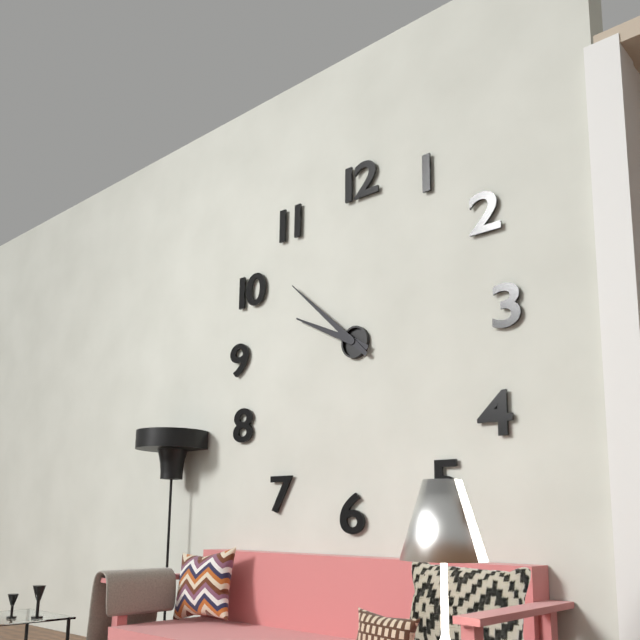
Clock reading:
{"hour": 9, "minute": 52}
